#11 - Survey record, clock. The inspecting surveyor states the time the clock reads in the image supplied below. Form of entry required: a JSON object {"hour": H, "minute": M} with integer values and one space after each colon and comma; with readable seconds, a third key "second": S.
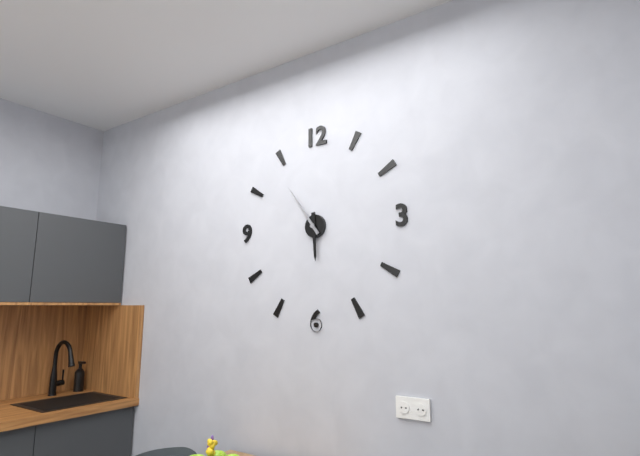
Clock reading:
{"hour": 5, "minute": 54}
